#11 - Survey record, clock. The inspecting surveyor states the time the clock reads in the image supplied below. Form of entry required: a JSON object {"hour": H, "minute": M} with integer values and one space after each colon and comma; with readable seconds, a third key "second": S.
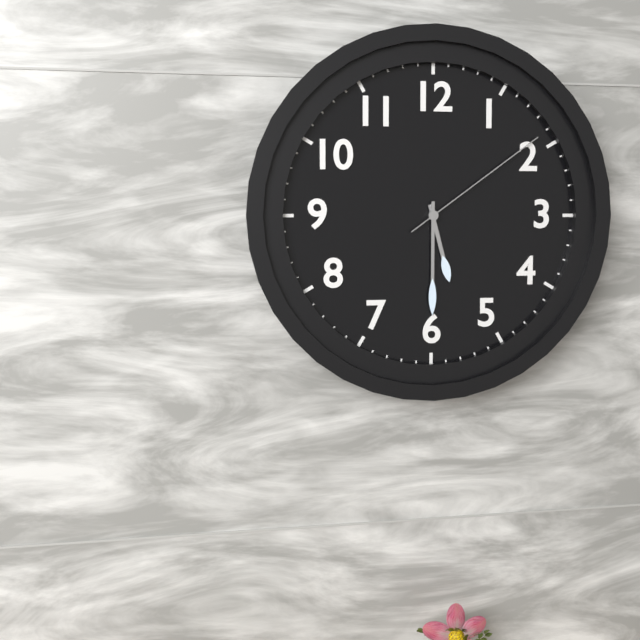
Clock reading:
{"hour": 5, "minute": 30, "second": 9}
